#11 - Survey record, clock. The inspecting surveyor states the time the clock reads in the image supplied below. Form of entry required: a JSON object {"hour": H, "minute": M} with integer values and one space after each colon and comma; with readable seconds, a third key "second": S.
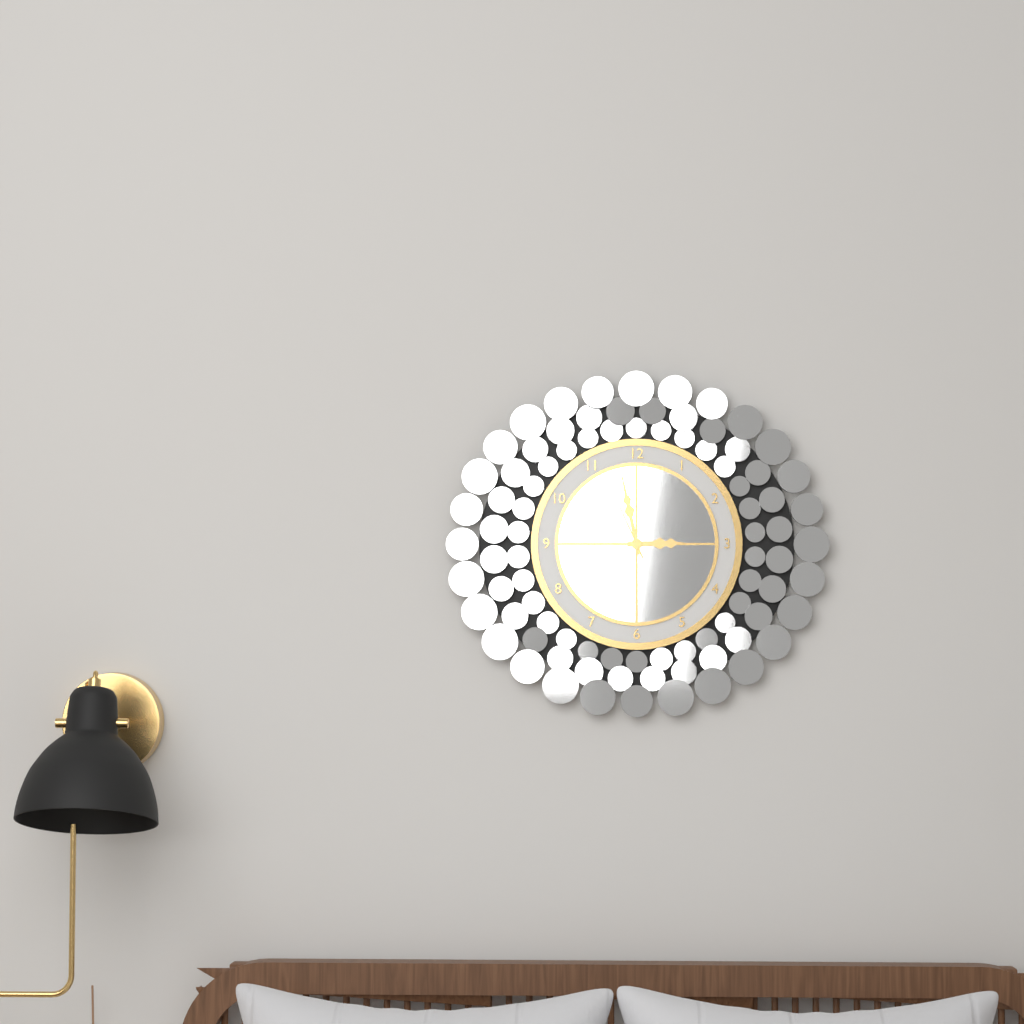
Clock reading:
{"hour": 2, "minute": 58, "second": 56}
